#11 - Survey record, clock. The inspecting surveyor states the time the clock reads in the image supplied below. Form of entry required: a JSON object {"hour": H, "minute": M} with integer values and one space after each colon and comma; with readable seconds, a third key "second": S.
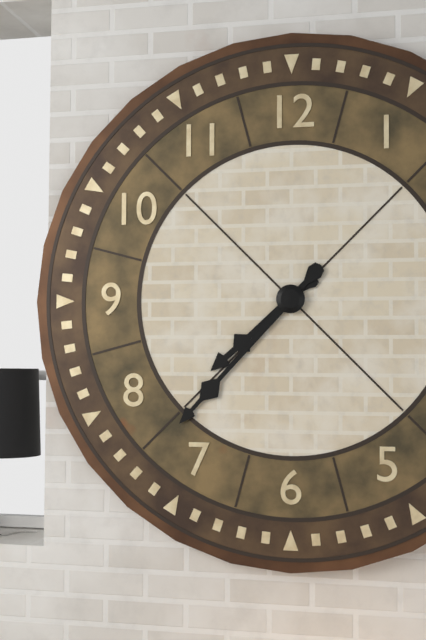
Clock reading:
{"hour": 7, "minute": 37}
